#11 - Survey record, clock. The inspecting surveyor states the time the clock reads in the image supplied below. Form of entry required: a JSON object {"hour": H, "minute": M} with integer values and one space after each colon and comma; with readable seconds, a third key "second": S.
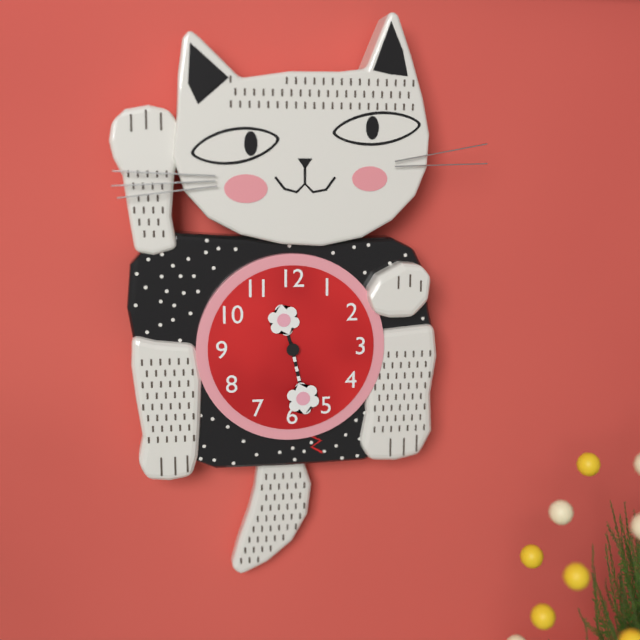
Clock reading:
{"hour": 11, "minute": 28}
